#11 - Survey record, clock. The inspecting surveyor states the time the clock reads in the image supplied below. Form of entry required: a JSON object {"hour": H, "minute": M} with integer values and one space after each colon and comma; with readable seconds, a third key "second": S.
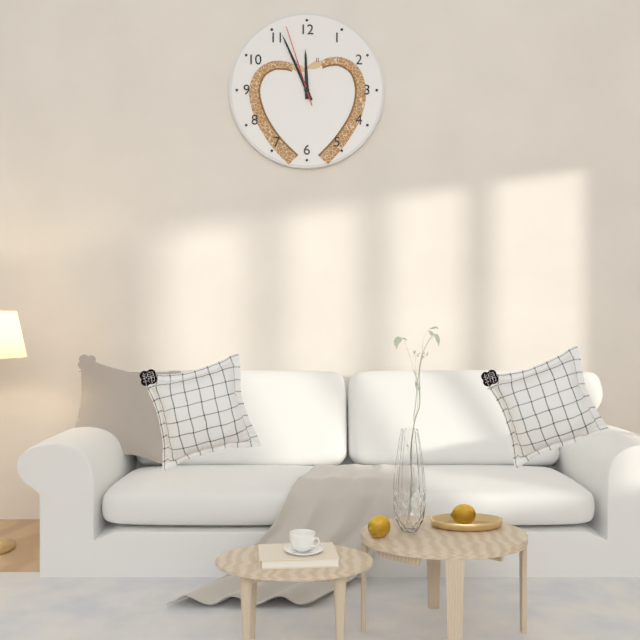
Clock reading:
{"hour": 11, "minute": 56, "second": 57}
